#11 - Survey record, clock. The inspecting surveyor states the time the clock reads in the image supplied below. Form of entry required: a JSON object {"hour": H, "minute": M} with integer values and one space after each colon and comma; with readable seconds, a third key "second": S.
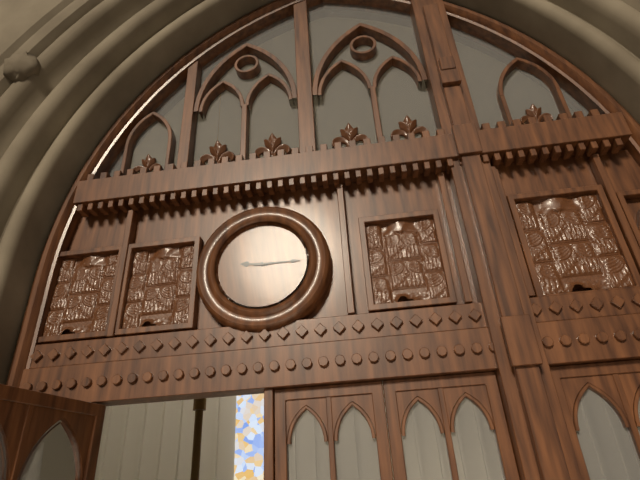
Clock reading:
{"hour": 9, "minute": 15}
